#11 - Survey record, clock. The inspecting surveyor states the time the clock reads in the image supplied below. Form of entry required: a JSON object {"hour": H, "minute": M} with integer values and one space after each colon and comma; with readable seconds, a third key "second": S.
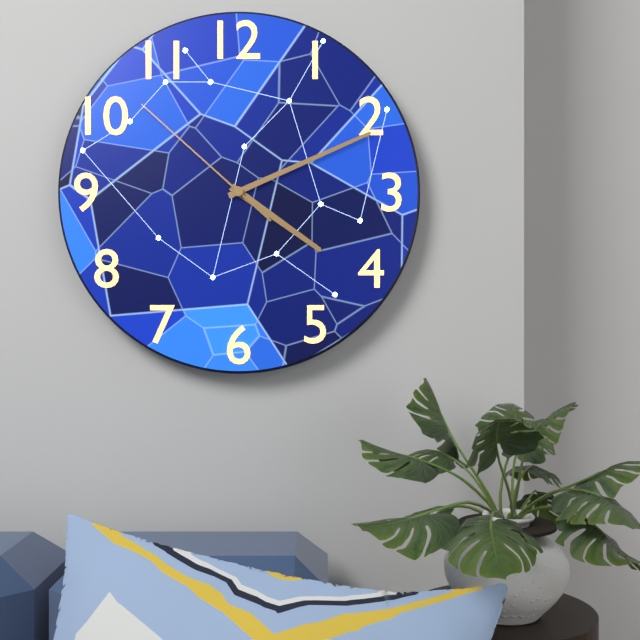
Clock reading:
{"hour": 4, "minute": 11, "second": 52}
